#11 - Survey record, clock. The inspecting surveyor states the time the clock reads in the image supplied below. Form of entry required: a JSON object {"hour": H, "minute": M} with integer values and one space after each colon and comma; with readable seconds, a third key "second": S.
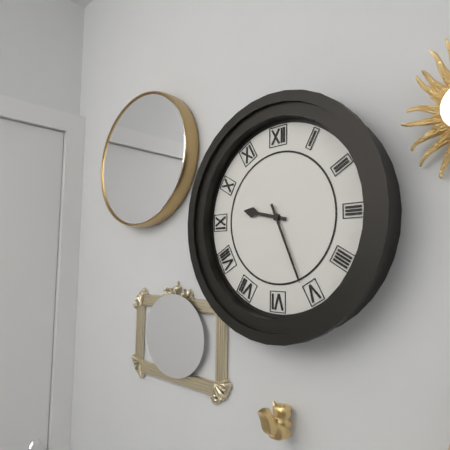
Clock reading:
{"hour": 9, "minute": 26}
